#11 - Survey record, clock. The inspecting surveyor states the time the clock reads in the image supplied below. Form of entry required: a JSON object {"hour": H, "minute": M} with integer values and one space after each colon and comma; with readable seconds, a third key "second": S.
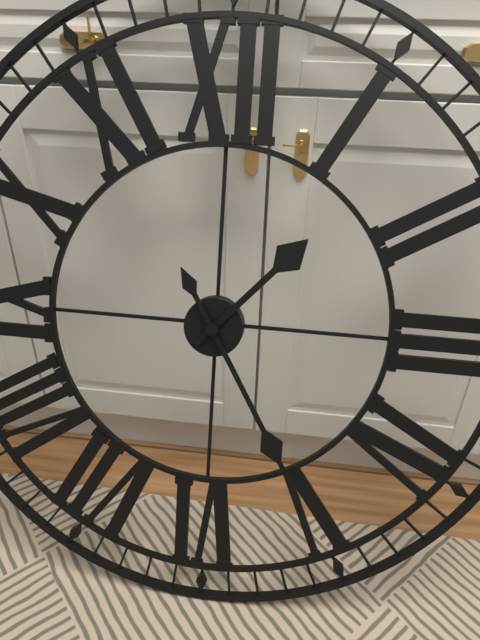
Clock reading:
{"hour": 1, "minute": 25}
